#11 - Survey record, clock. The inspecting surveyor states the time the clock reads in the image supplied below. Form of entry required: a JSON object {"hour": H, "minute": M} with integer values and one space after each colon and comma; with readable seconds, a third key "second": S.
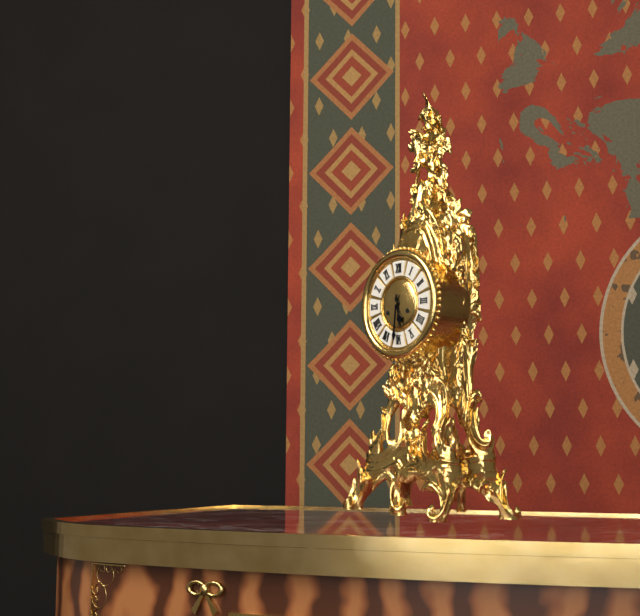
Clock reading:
{"hour": 5, "minute": 31}
